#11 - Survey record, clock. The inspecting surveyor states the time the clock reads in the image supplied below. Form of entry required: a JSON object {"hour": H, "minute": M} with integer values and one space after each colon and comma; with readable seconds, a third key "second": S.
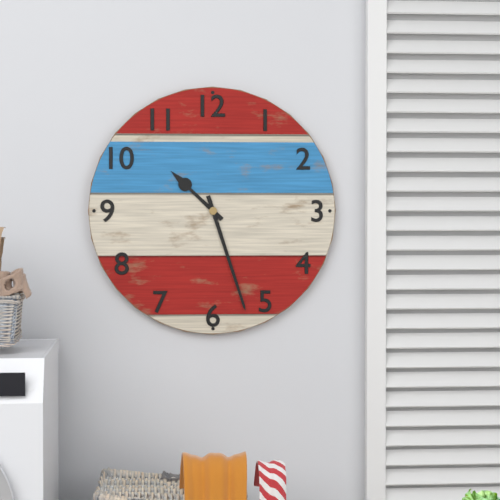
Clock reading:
{"hour": 10, "minute": 27}
